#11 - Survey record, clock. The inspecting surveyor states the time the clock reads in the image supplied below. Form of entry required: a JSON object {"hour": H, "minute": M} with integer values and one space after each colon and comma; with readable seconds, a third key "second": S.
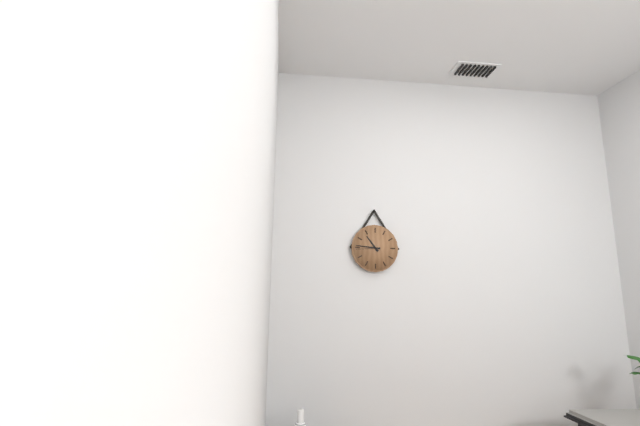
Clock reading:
{"hour": 10, "minute": 46}
